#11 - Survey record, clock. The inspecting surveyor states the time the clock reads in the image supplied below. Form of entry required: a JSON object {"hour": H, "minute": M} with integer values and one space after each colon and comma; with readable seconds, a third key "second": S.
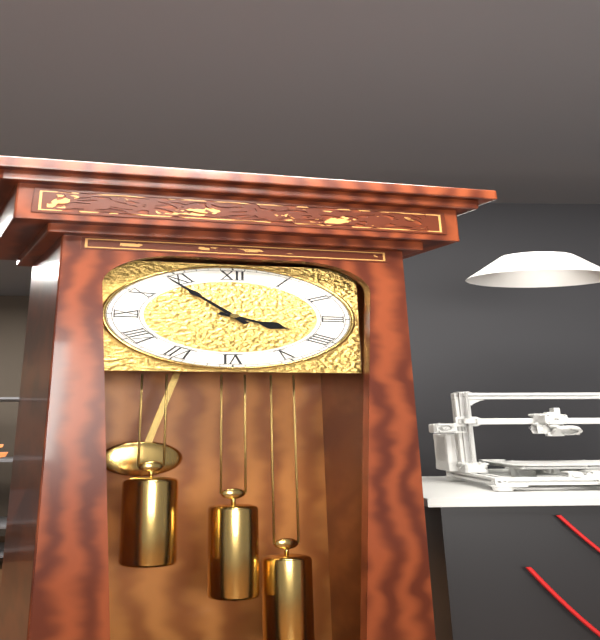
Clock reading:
{"hour": 3, "minute": 54}
